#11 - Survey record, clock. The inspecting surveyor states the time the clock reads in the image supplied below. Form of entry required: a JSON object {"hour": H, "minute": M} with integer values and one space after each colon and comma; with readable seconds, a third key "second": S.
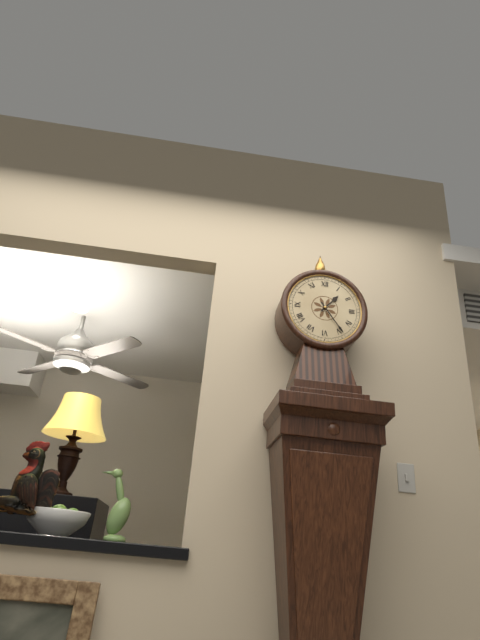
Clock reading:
{"hour": 1, "minute": 24}
